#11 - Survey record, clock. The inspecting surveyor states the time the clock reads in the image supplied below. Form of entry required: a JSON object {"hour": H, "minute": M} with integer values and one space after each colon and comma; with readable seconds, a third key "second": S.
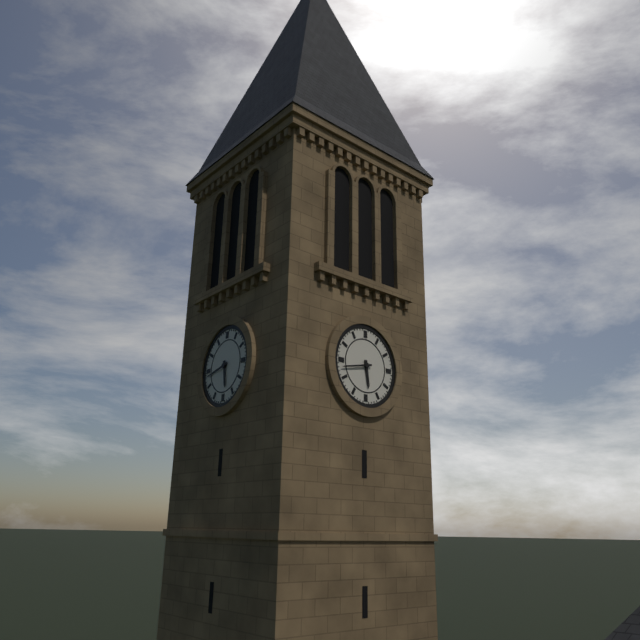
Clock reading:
{"hour": 5, "minute": 43}
